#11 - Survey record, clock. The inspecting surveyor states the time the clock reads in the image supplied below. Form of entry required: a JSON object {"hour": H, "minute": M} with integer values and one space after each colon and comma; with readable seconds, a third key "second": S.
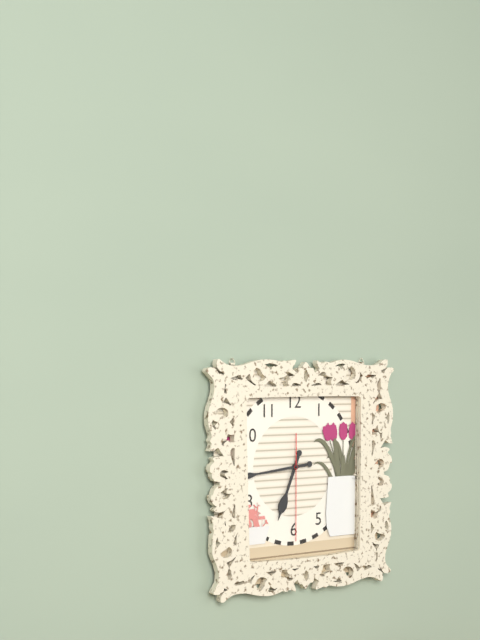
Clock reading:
{"hour": 6, "minute": 44, "second": 30}
